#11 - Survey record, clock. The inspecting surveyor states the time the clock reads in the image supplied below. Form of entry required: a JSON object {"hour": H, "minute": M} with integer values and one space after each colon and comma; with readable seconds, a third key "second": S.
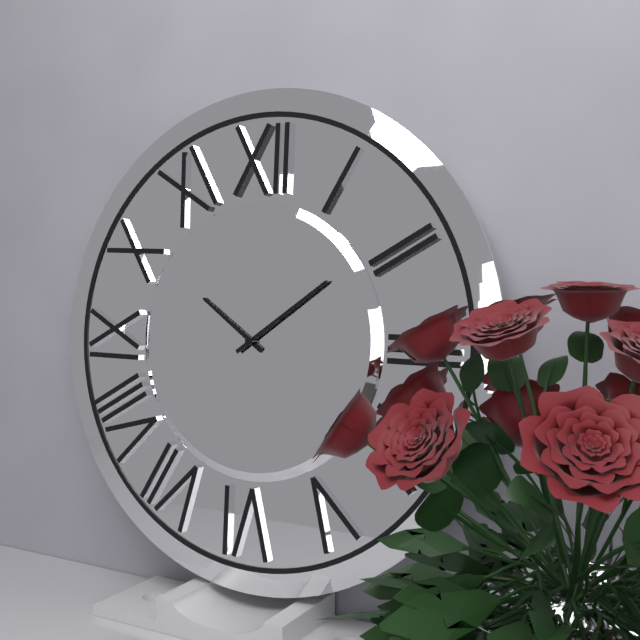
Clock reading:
{"hour": 10, "minute": 9}
